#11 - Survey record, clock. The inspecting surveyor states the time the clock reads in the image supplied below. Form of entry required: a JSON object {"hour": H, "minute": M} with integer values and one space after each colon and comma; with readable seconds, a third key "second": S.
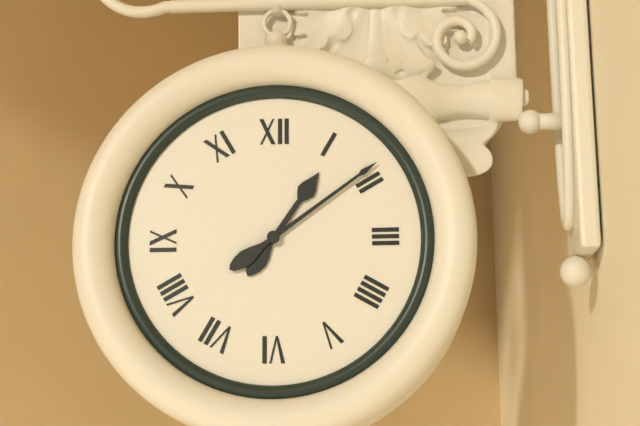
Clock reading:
{"hour": 1, "minute": 9}
